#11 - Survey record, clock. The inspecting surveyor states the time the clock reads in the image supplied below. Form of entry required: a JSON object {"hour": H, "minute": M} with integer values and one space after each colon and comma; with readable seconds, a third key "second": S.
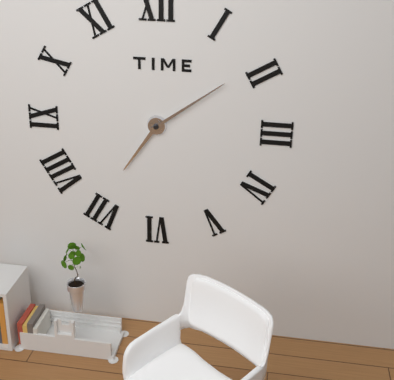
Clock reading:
{"hour": 7, "minute": 9}
